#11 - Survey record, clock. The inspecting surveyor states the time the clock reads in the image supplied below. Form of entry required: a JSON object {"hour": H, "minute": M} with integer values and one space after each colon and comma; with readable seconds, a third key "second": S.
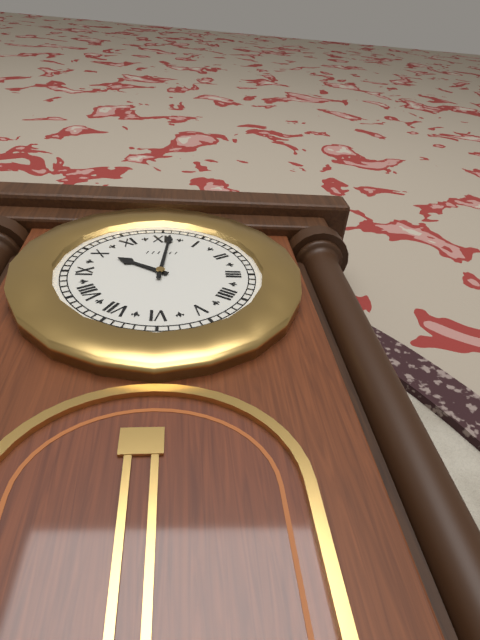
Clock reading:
{"hour": 10, "minute": 1}
